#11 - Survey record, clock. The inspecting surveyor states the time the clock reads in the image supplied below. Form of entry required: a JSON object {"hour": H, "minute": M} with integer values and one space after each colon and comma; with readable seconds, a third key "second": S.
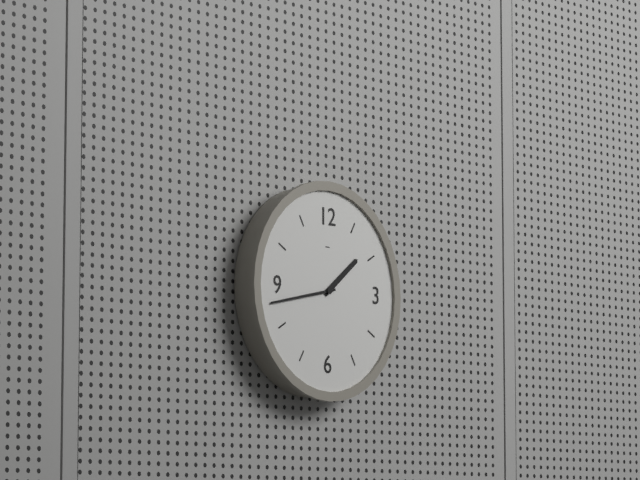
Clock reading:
{"hour": 1, "minute": 43}
